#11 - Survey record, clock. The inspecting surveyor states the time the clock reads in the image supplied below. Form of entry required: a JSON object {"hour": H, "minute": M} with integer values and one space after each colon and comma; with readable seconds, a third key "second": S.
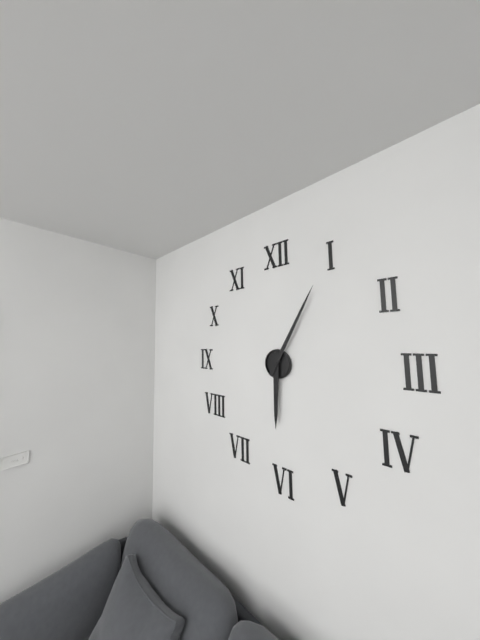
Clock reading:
{"hour": 6, "minute": 5}
